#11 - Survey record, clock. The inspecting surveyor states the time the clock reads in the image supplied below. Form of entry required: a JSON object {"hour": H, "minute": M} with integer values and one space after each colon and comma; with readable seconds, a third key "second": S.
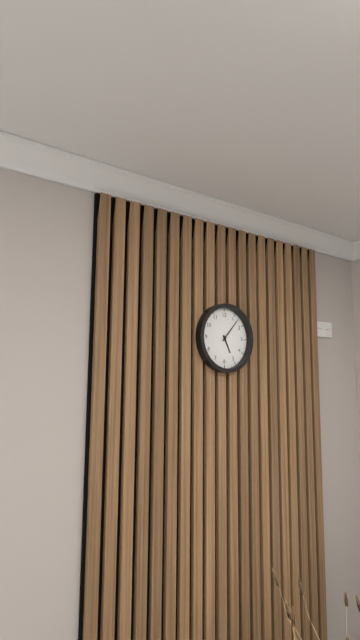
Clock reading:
{"hour": 5, "minute": 7}
